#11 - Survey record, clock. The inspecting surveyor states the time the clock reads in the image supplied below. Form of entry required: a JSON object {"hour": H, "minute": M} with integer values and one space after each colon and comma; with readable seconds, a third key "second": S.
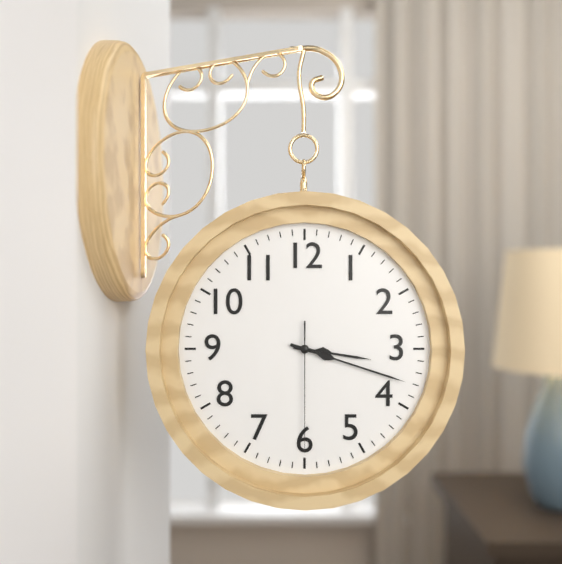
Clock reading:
{"hour": 3, "minute": 18, "second": 30}
